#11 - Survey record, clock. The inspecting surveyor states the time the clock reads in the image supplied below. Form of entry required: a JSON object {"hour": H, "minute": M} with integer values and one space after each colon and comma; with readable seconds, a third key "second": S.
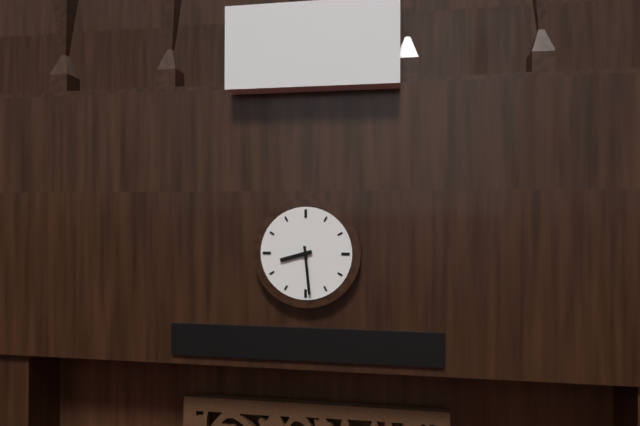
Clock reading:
{"hour": 8, "minute": 29}
